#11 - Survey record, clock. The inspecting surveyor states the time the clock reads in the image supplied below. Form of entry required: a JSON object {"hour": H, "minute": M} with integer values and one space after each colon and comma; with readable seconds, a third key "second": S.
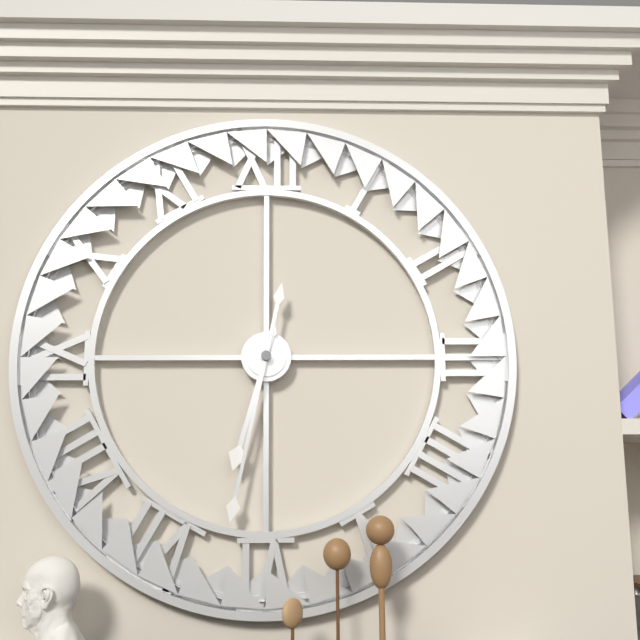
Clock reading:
{"hour": 6, "minute": 32}
